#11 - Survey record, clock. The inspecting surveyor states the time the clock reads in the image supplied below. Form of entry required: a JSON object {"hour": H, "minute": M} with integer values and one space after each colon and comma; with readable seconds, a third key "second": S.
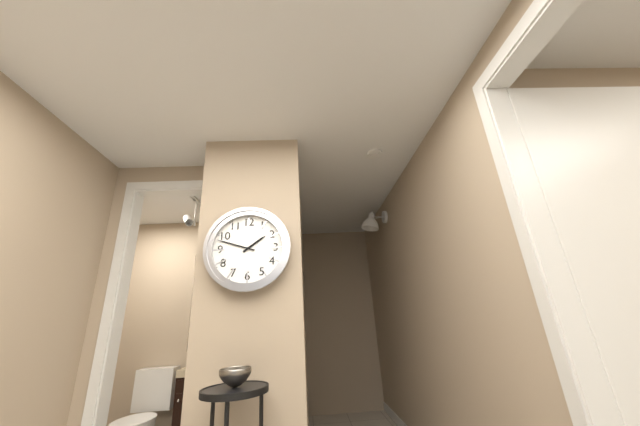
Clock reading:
{"hour": 1, "minute": 48}
